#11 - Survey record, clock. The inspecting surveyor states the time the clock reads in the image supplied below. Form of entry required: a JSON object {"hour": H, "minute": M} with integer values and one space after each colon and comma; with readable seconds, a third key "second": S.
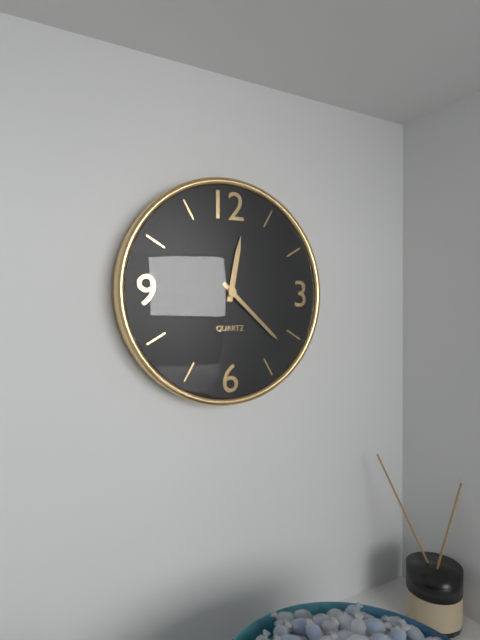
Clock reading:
{"hour": 12, "minute": 22}
